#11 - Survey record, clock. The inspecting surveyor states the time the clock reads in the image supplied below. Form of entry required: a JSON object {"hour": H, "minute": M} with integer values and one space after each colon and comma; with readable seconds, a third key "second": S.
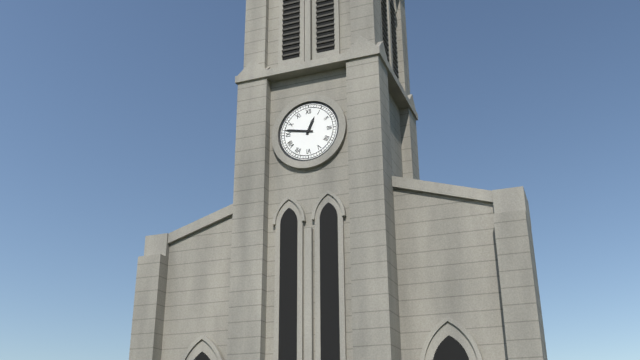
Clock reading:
{"hour": 12, "minute": 47}
